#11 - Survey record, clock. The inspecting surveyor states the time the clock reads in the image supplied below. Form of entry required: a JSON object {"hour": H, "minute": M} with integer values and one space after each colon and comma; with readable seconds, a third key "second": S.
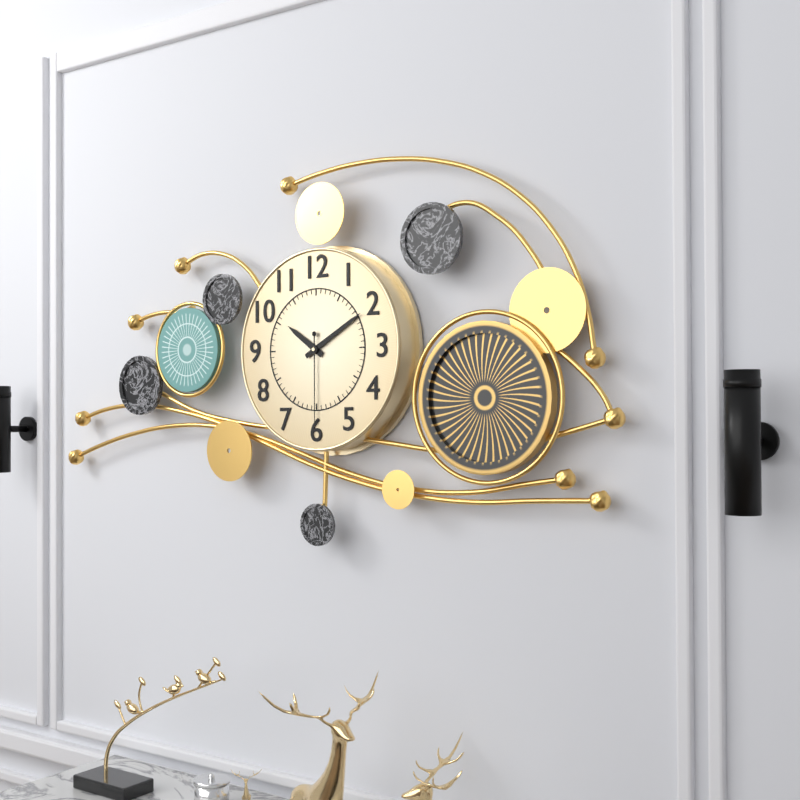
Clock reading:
{"hour": 10, "minute": 10, "second": 30}
